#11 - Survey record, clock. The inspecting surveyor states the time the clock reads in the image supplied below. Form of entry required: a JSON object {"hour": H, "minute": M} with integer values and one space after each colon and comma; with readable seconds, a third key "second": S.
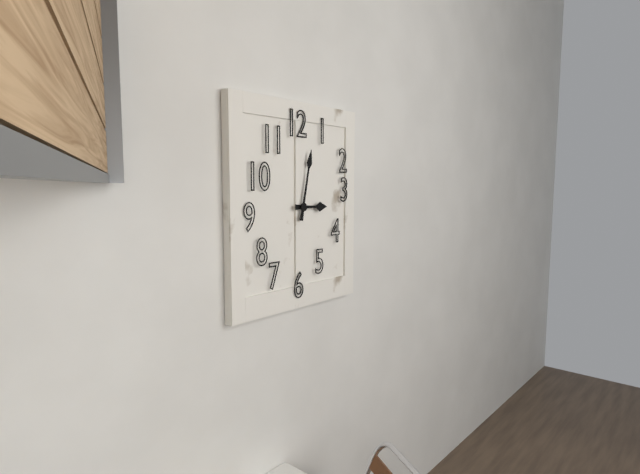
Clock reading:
{"hour": 3, "minute": 2}
